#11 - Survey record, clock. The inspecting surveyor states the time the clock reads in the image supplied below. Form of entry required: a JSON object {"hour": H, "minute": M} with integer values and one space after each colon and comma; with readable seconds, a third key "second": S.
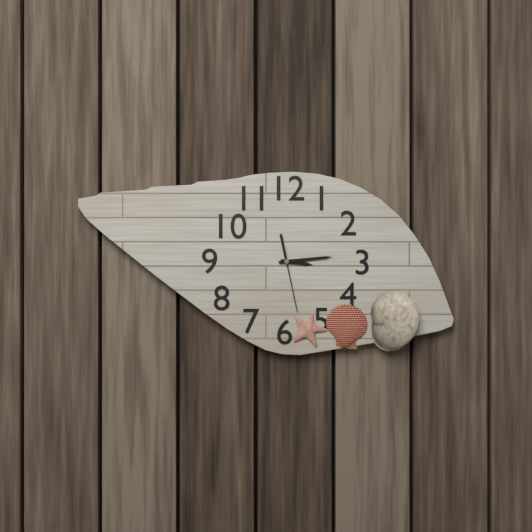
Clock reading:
{"hour": 3, "minute": 14, "second": 28}
